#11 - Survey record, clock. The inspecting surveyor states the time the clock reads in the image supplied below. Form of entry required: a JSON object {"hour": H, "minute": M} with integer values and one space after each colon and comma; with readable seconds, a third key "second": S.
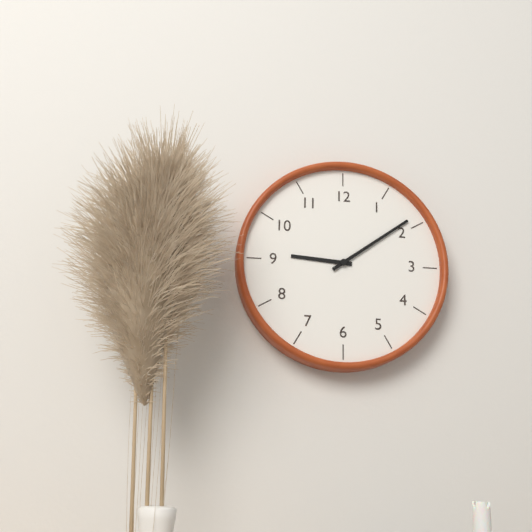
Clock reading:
{"hour": 9, "minute": 9}
